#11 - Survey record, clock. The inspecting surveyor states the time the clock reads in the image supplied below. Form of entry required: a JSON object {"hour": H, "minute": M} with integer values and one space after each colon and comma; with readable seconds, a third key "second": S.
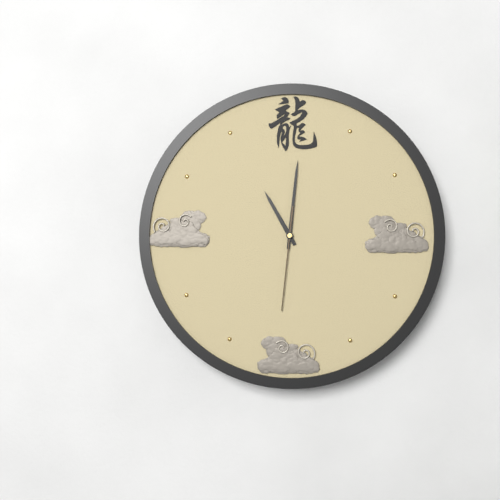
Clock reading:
{"hour": 11, "minute": 1, "second": 31}
